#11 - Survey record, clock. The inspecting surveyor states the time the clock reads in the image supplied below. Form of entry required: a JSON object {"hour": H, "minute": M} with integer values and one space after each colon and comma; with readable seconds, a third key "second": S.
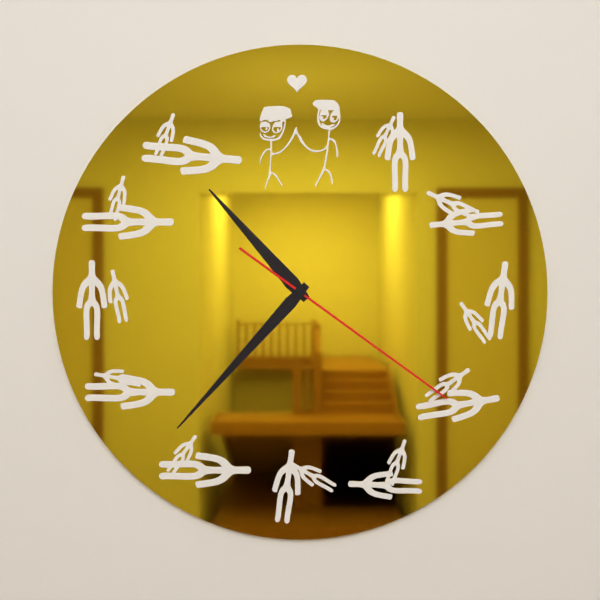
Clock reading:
{"hour": 10, "minute": 37, "second": 21}
